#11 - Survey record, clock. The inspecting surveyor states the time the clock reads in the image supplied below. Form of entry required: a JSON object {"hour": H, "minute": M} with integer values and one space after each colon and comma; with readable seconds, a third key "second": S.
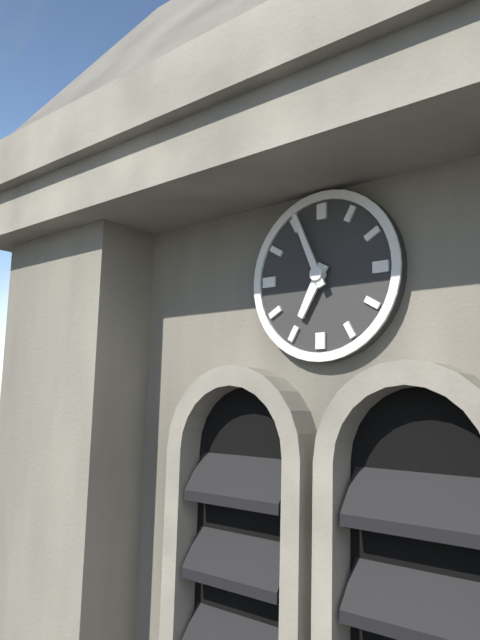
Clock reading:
{"hour": 6, "minute": 56}
